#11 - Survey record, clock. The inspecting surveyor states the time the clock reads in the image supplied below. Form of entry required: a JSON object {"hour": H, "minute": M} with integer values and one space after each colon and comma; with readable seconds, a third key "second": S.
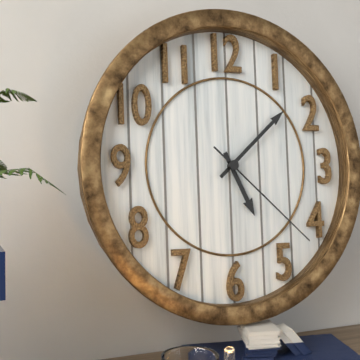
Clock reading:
{"hour": 5, "minute": 8, "second": 22}
